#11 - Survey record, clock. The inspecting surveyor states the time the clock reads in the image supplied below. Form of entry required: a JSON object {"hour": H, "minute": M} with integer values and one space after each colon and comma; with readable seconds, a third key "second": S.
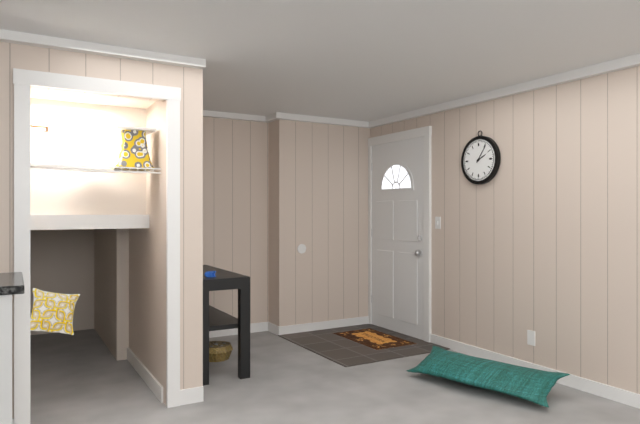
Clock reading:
{"hour": 2, "minute": 6}
